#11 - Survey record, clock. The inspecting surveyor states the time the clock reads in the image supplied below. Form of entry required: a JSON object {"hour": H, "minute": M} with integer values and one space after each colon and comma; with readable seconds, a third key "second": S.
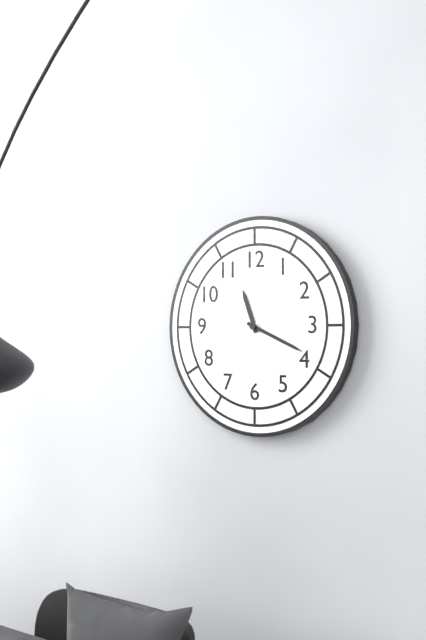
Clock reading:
{"hour": 11, "minute": 19, "second": 9}
